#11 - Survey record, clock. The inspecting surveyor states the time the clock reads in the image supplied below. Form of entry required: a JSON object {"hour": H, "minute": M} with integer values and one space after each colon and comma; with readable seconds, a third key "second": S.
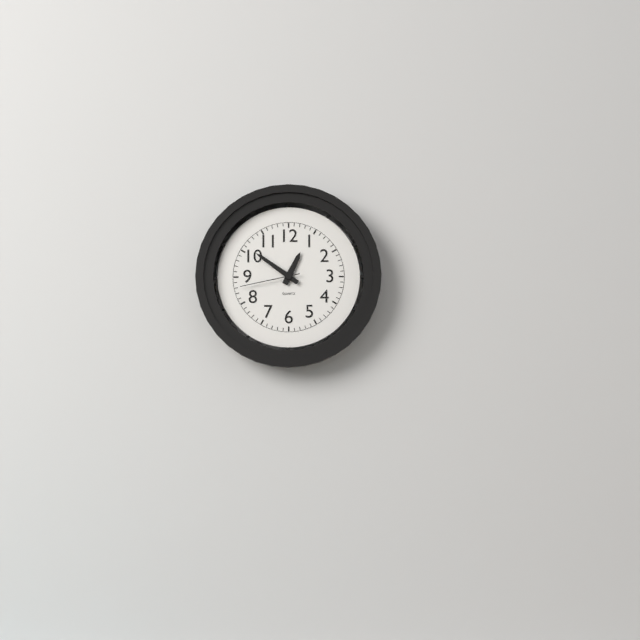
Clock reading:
{"hour": 12, "minute": 51, "second": 43}
